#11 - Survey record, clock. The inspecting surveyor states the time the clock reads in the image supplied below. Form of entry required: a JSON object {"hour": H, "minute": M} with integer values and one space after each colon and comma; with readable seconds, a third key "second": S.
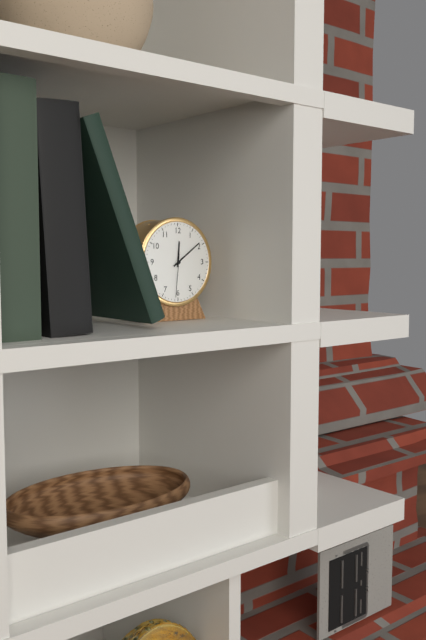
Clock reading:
{"hour": 12, "minute": 9}
